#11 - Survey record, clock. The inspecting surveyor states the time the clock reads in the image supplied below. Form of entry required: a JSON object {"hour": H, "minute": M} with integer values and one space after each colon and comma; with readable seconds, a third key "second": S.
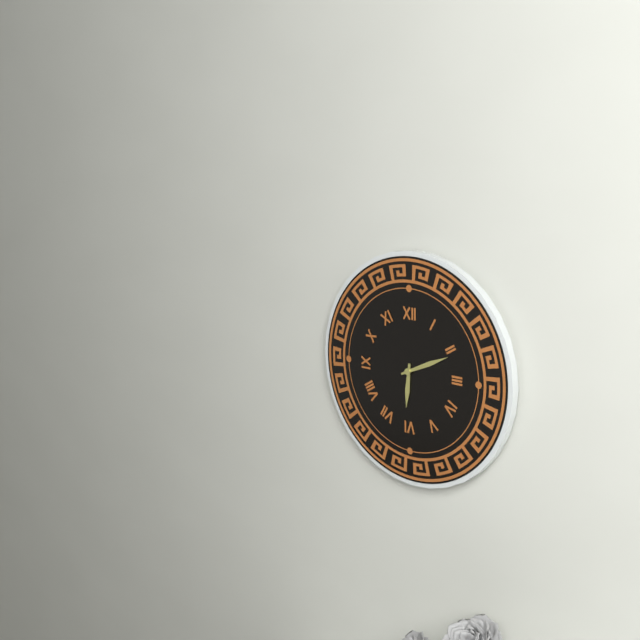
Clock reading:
{"hour": 6, "minute": 11}
